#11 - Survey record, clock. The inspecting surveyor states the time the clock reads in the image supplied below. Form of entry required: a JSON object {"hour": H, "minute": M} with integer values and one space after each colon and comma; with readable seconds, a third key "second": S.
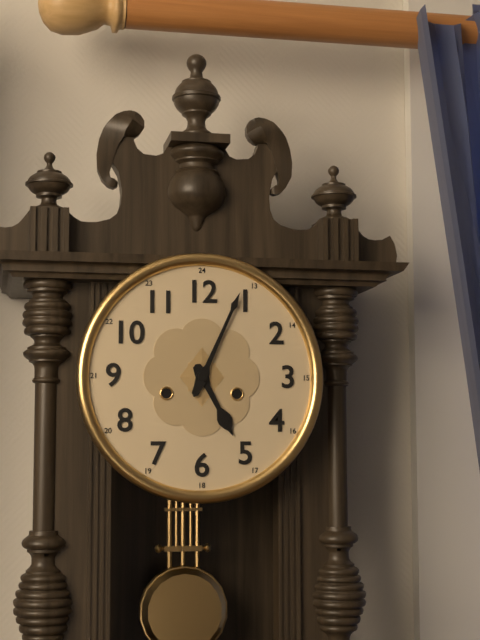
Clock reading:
{"hour": 5, "minute": 4}
